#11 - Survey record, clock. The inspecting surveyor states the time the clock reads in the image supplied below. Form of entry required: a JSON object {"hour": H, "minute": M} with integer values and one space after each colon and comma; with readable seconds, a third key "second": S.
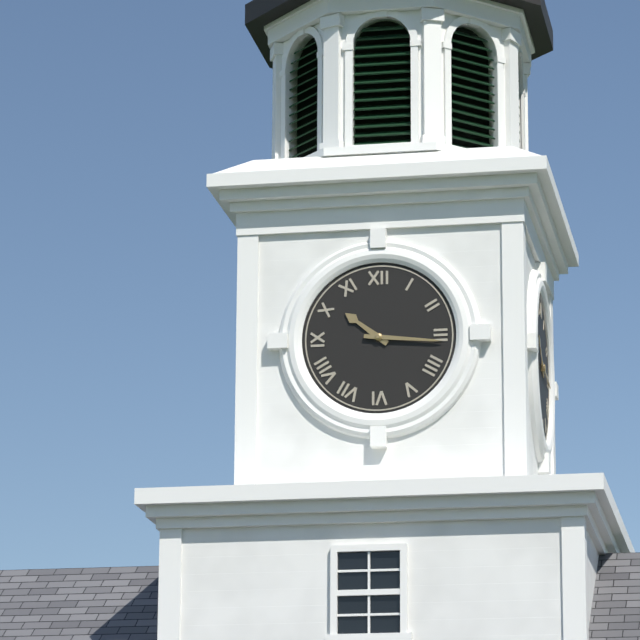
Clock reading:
{"hour": 10, "minute": 16}
